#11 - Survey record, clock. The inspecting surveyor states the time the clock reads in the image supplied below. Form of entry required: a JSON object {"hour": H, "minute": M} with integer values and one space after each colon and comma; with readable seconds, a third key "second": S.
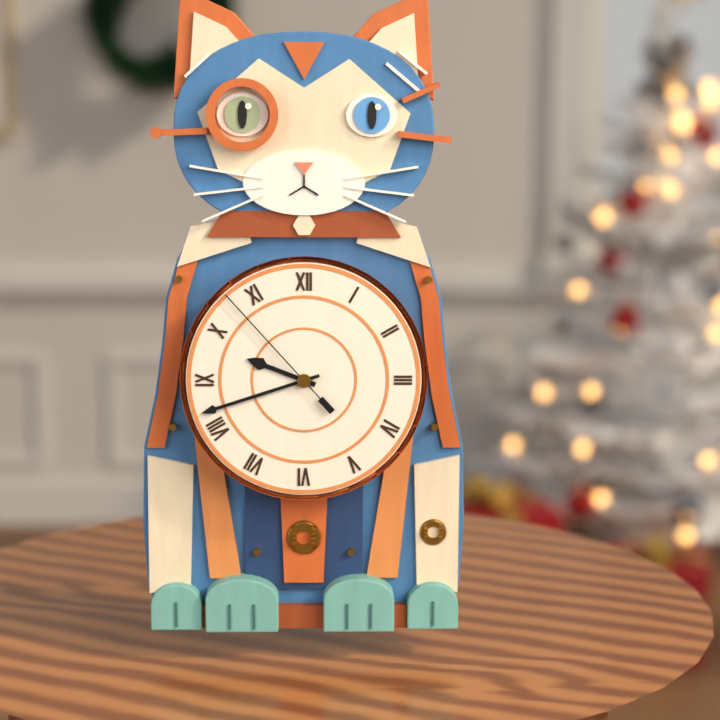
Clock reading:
{"hour": 9, "minute": 42, "second": 53}
